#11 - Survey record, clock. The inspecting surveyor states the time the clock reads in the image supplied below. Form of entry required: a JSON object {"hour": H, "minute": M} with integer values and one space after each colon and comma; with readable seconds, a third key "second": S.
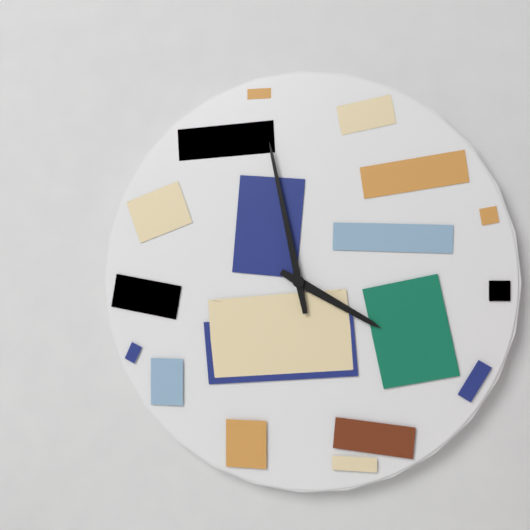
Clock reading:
{"hour": 3, "minute": 58}
